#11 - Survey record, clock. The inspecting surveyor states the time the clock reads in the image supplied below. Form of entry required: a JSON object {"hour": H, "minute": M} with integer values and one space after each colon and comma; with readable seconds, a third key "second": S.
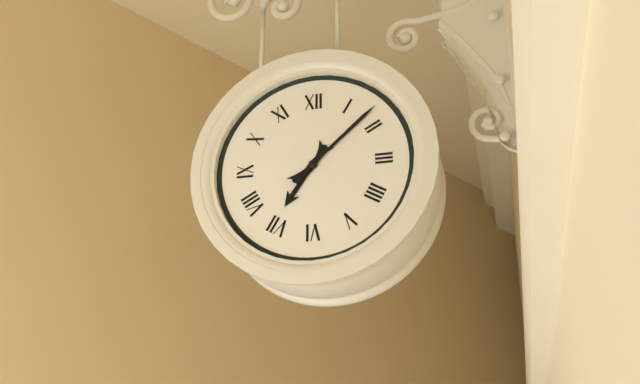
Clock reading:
{"hour": 7, "minute": 8}
